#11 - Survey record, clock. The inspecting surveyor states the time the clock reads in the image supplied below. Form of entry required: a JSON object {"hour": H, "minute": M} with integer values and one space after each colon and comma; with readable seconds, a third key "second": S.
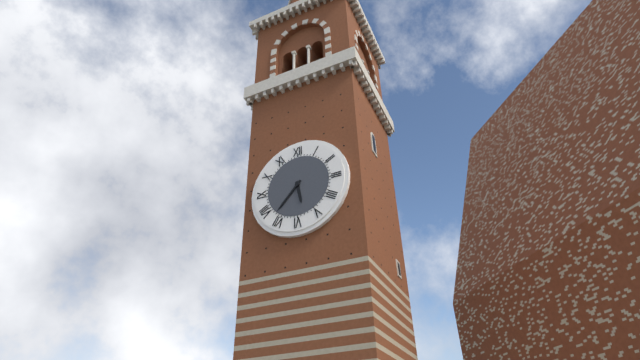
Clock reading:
{"hour": 5, "minute": 37}
